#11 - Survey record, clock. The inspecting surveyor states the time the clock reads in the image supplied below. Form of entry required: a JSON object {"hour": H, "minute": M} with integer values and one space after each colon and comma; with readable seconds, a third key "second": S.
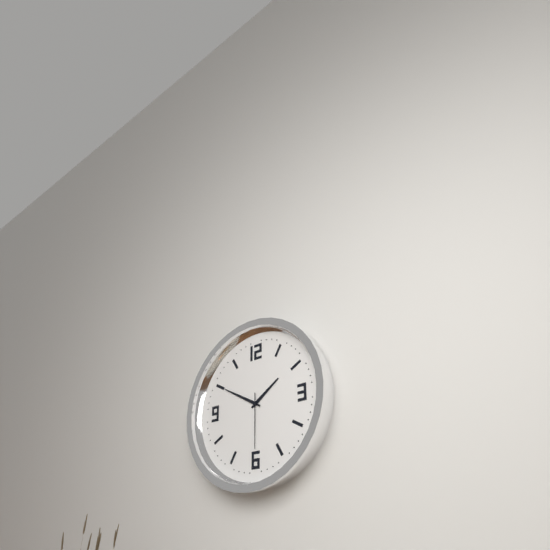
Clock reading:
{"hour": 1, "minute": 50, "second": 30}
